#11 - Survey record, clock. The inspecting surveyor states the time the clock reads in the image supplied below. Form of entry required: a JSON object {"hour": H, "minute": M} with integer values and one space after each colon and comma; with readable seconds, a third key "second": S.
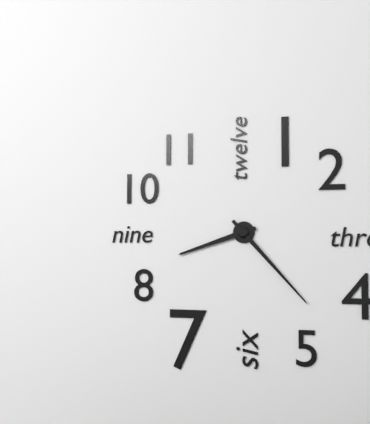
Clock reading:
{"hour": 8, "minute": 23}
